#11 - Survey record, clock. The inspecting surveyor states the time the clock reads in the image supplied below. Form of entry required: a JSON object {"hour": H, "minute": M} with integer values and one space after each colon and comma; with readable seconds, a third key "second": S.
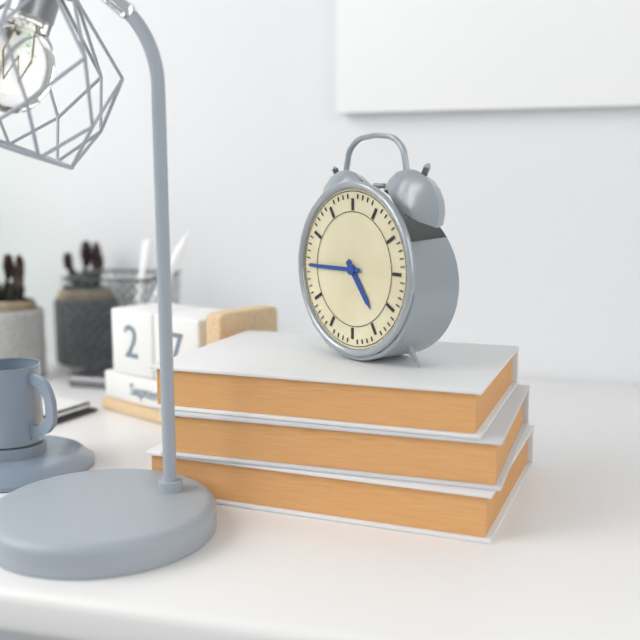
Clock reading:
{"hour": 4, "minute": 45}
